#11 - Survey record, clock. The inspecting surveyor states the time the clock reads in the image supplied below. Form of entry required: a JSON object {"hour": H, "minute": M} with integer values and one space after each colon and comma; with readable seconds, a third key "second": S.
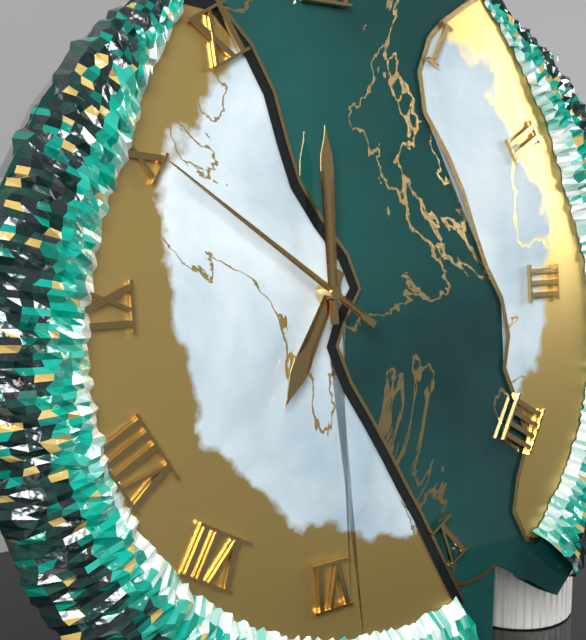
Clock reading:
{"hour": 7, "minute": 0, "second": 51}
